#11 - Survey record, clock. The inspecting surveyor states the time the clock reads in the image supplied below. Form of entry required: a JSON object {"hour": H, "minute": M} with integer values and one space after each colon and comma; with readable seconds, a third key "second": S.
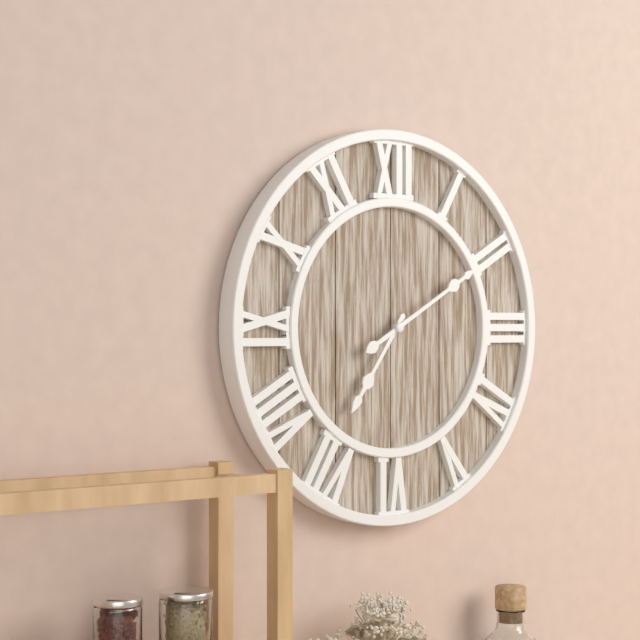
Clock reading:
{"hour": 7, "minute": 10}
